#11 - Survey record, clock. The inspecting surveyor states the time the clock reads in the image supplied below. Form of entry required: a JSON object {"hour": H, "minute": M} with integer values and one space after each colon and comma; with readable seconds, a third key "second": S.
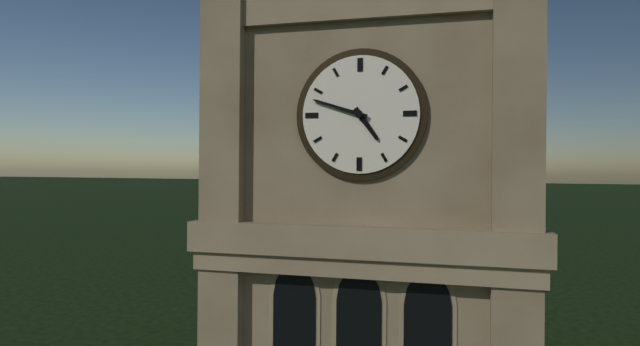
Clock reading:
{"hour": 4, "minute": 48}
